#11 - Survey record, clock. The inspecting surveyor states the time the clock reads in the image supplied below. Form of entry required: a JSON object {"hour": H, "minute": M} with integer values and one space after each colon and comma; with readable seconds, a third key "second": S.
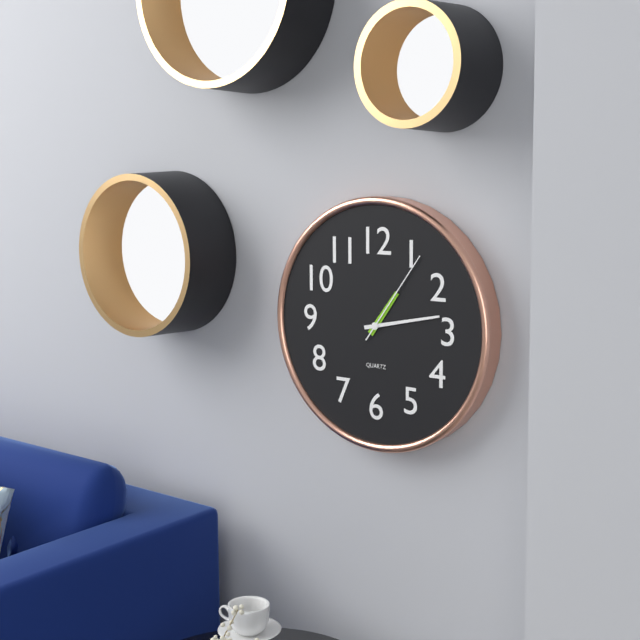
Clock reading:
{"hour": 1, "minute": 13, "second": 6}
